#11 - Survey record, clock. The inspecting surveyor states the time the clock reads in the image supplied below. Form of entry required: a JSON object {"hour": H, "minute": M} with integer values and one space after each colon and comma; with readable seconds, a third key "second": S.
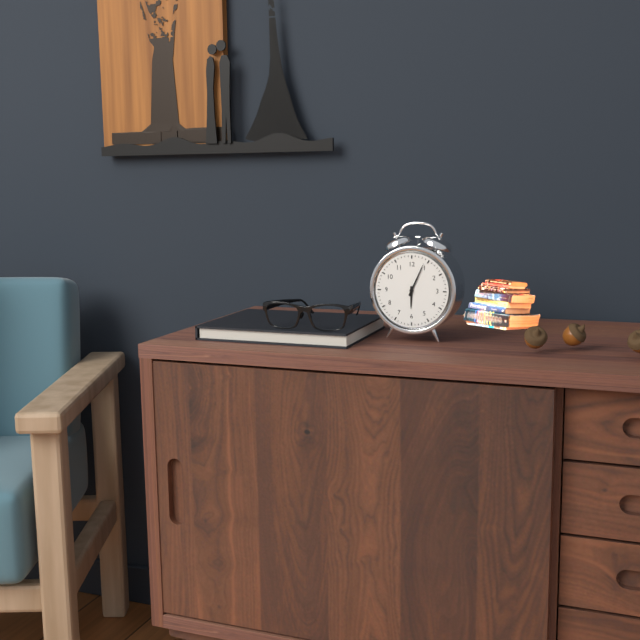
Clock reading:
{"hour": 6, "minute": 4}
